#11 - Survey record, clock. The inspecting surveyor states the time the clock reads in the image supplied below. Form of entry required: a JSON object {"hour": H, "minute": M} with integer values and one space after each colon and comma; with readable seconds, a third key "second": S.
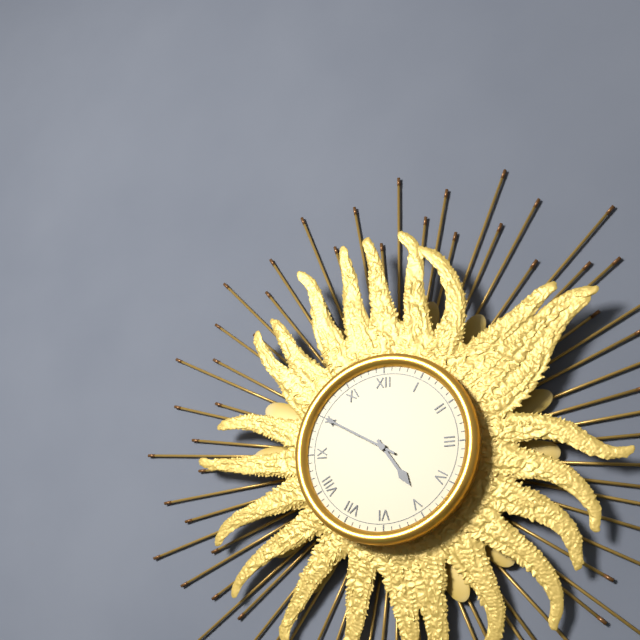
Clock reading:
{"hour": 4, "minute": 50}
